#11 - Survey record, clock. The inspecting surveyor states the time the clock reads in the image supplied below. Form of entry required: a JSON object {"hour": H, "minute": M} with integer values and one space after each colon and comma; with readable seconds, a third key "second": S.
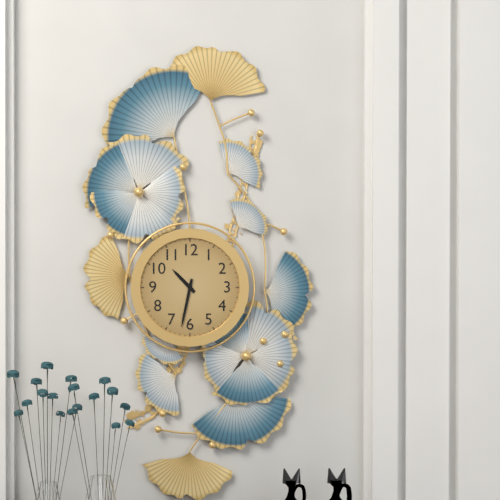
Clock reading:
{"hour": 10, "minute": 32}
